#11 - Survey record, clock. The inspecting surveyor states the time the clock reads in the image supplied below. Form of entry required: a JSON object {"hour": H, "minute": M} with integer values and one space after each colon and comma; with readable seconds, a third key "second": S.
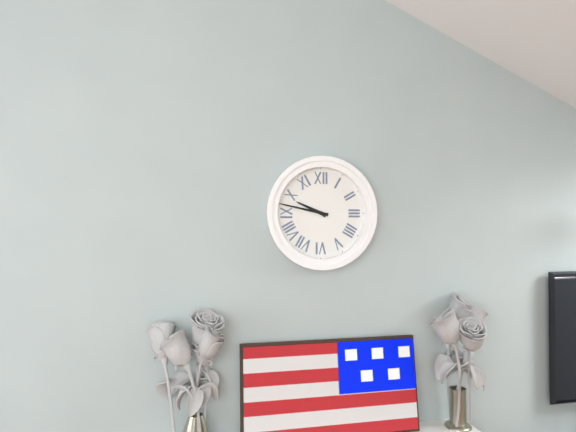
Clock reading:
{"hour": 9, "minute": 47}
